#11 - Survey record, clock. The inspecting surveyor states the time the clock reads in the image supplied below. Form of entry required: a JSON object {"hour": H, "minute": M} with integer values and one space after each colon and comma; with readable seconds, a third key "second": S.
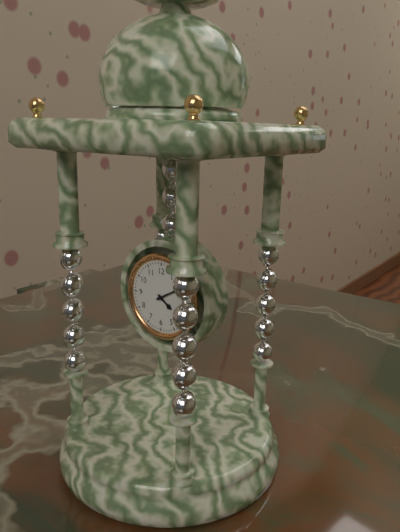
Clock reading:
{"hour": 4, "minute": 10}
